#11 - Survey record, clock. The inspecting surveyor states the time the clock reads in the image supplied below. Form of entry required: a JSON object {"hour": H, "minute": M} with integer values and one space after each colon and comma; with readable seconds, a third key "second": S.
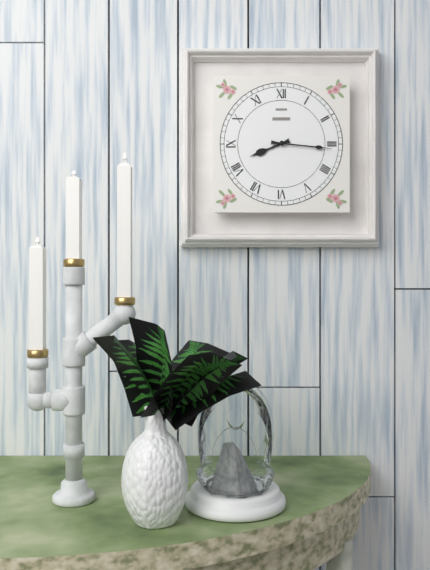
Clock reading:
{"hour": 8, "minute": 16}
